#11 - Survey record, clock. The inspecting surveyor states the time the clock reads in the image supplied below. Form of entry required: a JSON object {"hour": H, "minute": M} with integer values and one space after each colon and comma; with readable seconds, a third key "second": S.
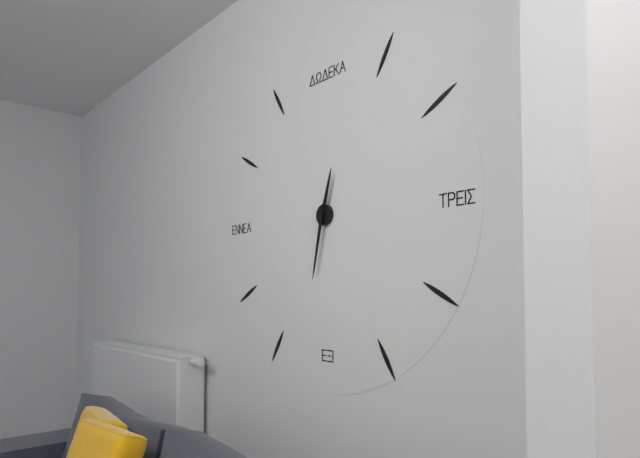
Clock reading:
{"hour": 12, "minute": 32}
